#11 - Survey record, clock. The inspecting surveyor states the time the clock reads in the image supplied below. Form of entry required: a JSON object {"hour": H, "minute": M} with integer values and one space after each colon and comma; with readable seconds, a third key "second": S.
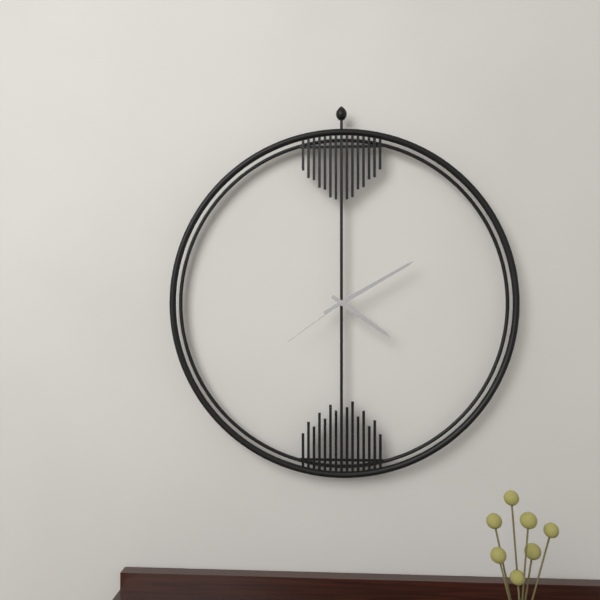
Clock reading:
{"hour": 4, "minute": 10, "second": 39}
